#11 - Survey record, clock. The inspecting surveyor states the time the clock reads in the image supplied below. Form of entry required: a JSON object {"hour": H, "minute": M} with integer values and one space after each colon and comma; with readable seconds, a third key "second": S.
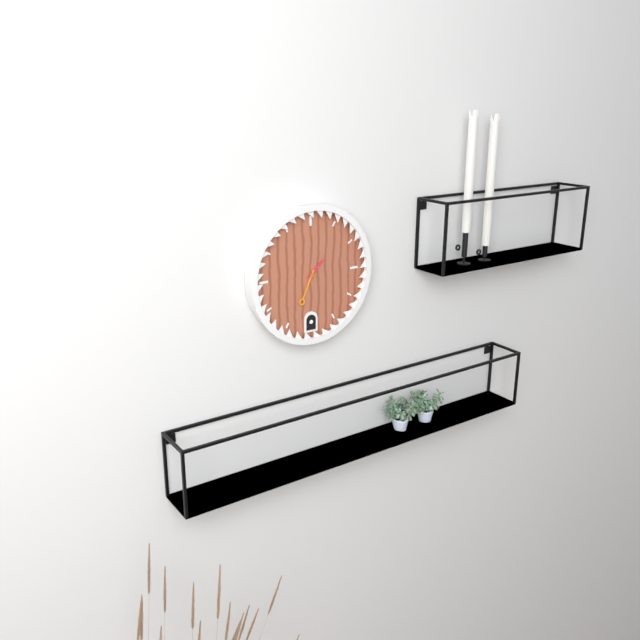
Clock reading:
{"hour": 1, "minute": 34}
